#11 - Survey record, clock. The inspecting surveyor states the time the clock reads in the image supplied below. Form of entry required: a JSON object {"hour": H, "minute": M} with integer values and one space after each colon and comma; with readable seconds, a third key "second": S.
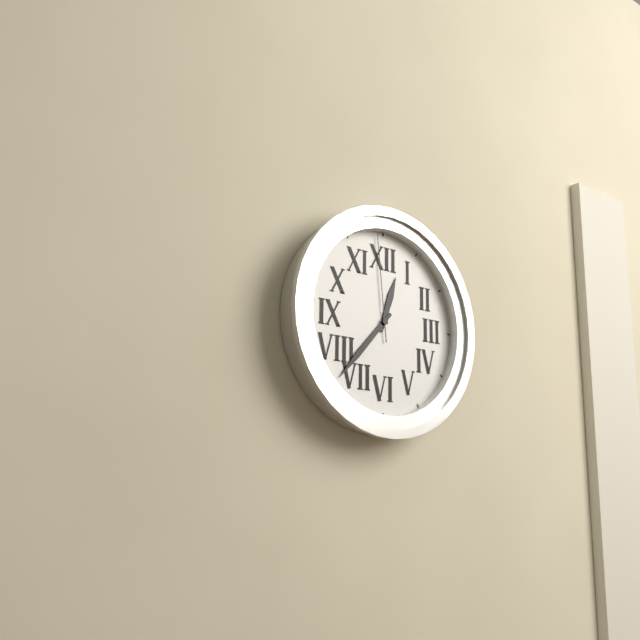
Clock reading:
{"hour": 12, "minute": 37, "second": 59}
